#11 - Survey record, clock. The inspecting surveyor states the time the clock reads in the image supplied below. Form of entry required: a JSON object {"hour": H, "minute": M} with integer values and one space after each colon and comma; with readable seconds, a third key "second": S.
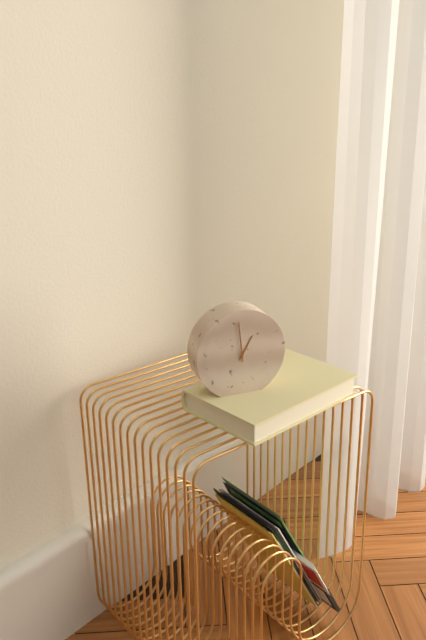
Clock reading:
{"hour": 12, "minute": 59}
